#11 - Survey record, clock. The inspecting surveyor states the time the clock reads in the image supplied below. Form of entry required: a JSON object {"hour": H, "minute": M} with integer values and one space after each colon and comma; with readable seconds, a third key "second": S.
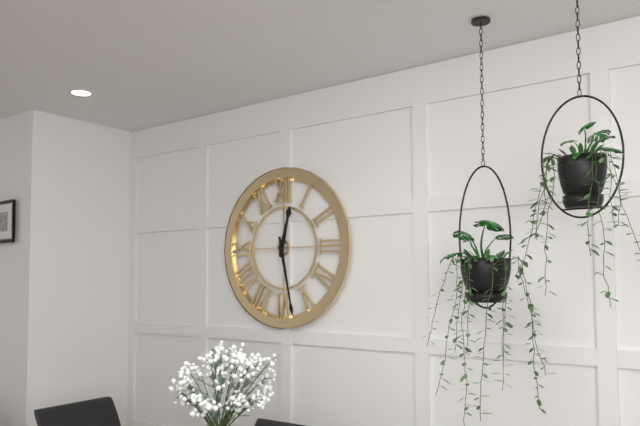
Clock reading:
{"hour": 12, "minute": 28}
